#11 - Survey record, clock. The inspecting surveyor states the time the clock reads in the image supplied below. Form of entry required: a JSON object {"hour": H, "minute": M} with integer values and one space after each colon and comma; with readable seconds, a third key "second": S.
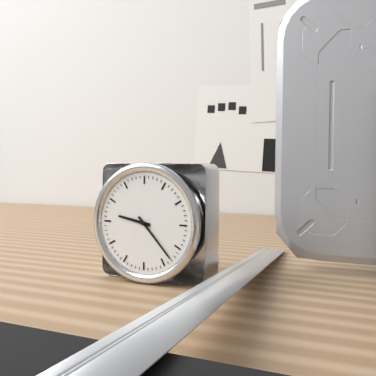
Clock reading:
{"hour": 9, "minute": 23}
